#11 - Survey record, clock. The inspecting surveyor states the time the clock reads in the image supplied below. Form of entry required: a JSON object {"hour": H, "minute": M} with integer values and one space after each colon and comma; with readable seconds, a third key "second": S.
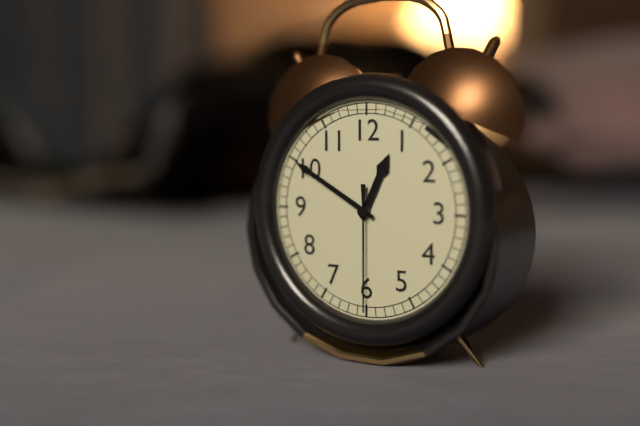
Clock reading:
{"hour": 12, "minute": 50, "second": 30}
